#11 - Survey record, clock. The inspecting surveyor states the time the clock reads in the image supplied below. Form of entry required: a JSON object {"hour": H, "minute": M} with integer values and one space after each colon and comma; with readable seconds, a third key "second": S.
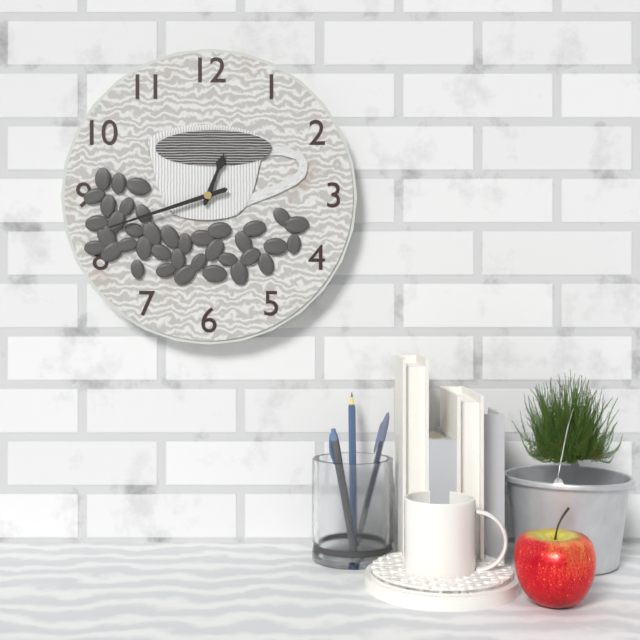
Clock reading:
{"hour": 12, "minute": 42}
